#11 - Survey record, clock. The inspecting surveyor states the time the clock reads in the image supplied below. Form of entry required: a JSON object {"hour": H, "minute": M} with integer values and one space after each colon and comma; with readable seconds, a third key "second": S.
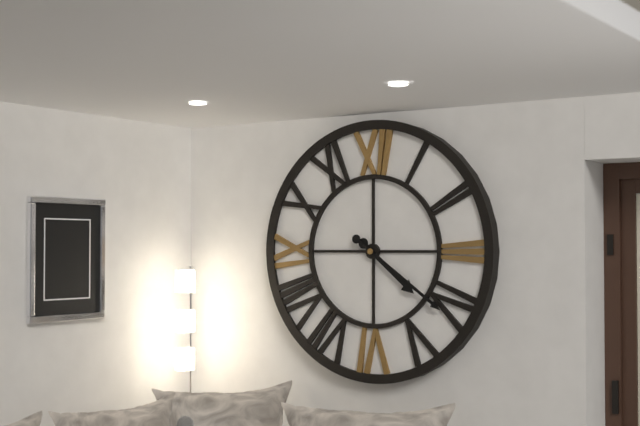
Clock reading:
{"hour": 4, "minute": 21}
